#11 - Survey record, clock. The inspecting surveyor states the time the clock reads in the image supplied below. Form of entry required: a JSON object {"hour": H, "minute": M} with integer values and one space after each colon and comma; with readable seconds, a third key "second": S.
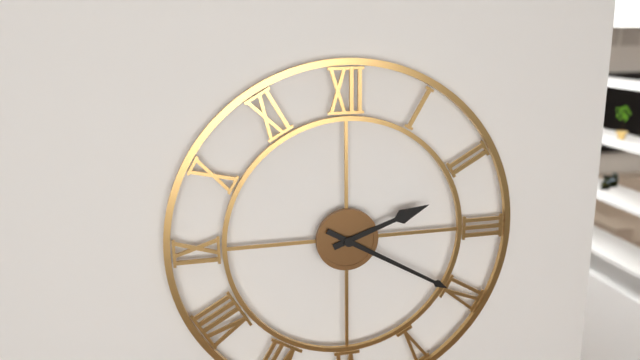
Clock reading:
{"hour": 2, "minute": 20}
